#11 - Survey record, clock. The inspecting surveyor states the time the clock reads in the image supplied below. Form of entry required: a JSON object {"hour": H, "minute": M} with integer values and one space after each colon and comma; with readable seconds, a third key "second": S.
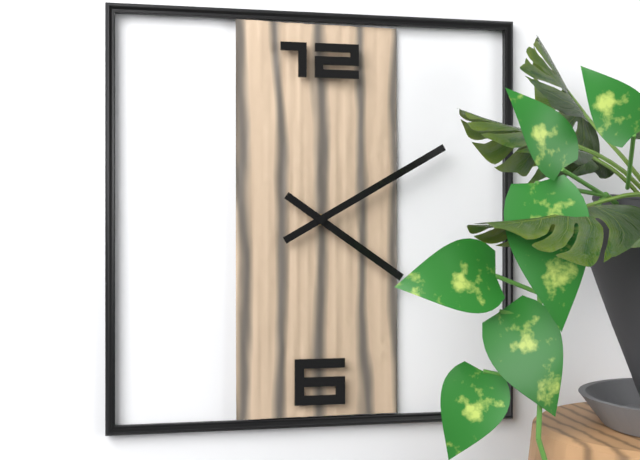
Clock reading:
{"hour": 4, "minute": 10}
